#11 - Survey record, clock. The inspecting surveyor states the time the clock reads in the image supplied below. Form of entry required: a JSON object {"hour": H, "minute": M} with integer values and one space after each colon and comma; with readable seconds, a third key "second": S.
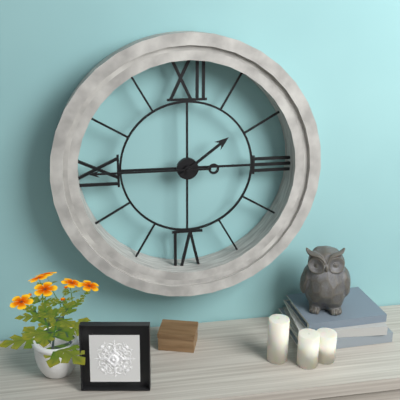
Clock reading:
{"hour": 1, "minute": 45}
